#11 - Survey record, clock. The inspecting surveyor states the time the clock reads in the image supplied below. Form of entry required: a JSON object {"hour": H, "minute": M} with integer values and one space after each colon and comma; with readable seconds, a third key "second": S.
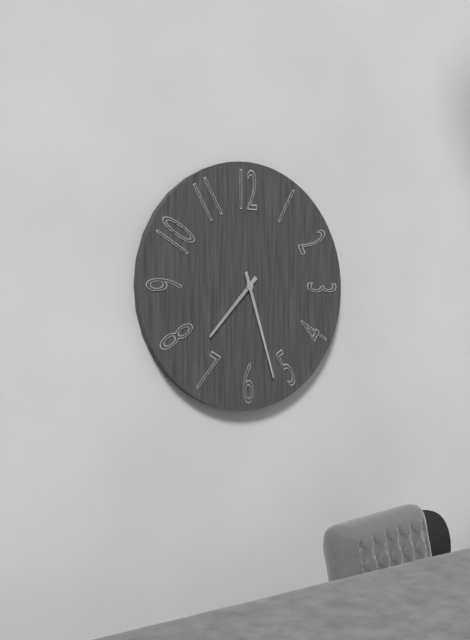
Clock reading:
{"hour": 7, "minute": 27}
